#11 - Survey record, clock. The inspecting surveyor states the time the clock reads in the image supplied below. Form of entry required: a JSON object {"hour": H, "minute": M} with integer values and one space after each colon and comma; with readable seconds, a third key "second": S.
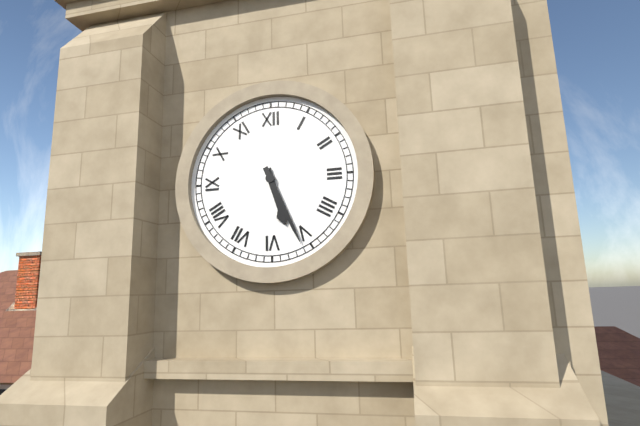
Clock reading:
{"hour": 5, "minute": 26}
